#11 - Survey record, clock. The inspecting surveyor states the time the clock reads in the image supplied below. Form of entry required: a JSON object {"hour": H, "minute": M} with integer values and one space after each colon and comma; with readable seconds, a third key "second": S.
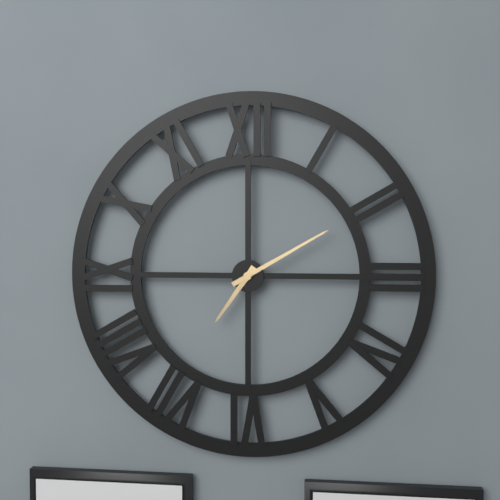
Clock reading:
{"hour": 7, "minute": 10}
